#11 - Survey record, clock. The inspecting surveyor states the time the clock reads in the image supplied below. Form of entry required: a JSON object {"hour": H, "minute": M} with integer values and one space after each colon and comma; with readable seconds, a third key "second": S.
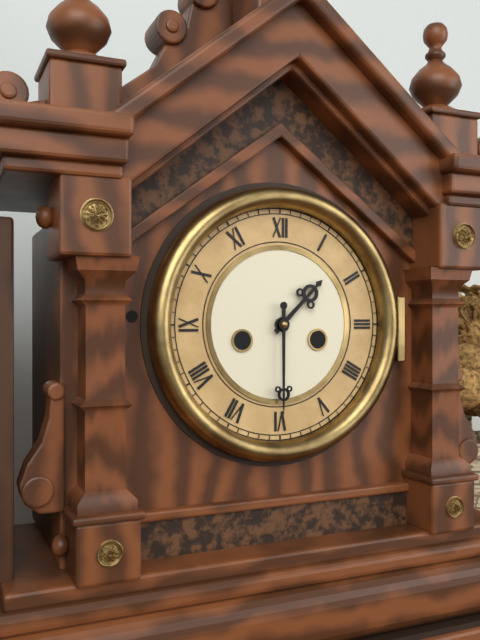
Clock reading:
{"hour": 1, "minute": 30}
